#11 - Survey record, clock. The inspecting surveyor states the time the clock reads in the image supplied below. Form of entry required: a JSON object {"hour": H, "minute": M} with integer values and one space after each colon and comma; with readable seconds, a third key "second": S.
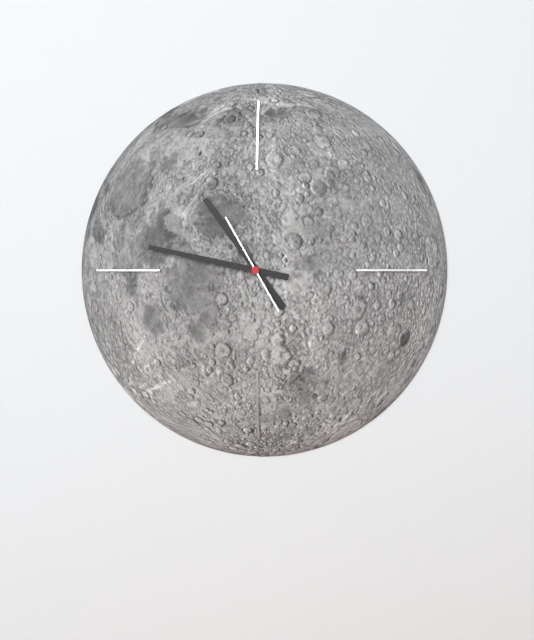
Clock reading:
{"hour": 10, "minute": 47, "second": 55}
